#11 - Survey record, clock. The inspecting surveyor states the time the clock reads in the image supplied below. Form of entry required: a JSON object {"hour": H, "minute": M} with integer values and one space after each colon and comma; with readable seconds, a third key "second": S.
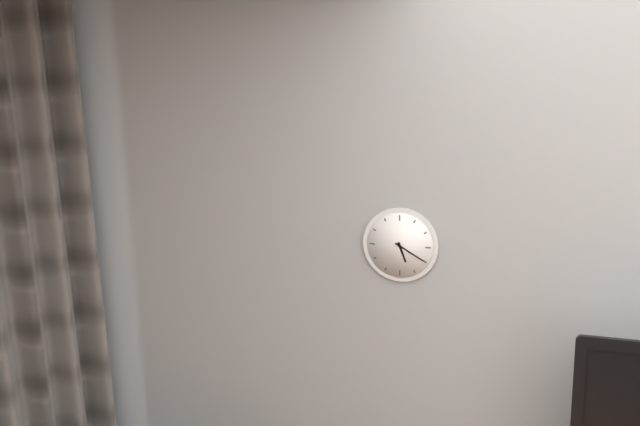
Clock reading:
{"hour": 5, "minute": 20}
